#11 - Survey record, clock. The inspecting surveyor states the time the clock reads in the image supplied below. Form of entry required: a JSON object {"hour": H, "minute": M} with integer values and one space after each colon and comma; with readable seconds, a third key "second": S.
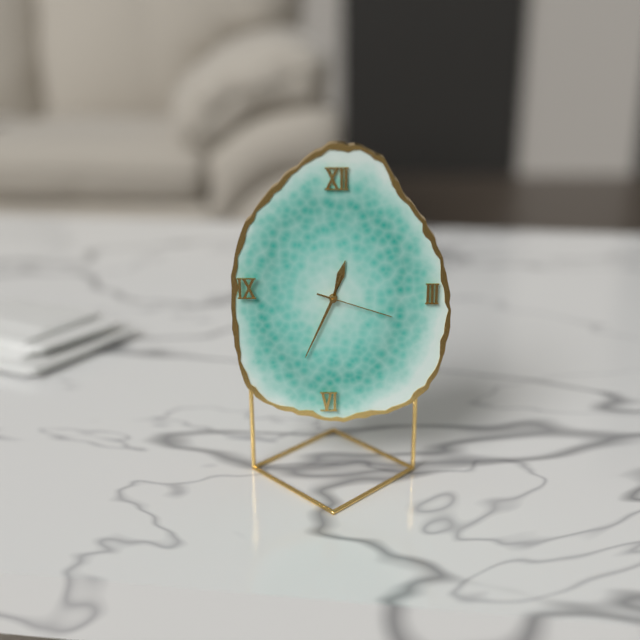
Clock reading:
{"hour": 12, "minute": 34, "second": 18}
